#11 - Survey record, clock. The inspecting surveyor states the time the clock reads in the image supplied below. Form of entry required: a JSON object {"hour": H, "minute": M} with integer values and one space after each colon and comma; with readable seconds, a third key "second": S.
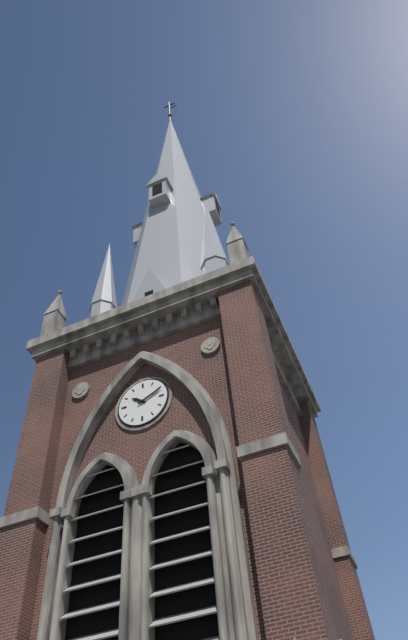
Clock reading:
{"hour": 10, "minute": 11}
